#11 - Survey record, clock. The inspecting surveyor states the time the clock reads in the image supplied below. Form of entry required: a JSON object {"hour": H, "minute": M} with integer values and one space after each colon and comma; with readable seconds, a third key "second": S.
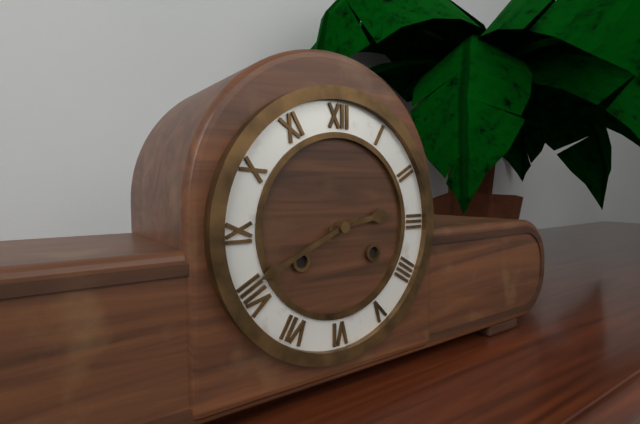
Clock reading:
{"hour": 2, "minute": 41}
